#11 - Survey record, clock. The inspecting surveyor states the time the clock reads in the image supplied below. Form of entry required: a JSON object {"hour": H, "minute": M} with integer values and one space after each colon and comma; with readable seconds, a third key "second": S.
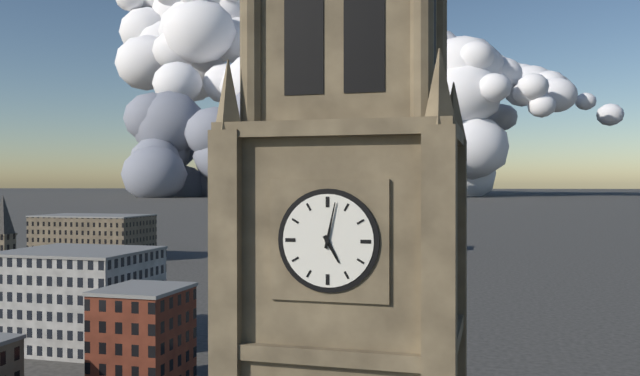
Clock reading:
{"hour": 5, "minute": 2}
